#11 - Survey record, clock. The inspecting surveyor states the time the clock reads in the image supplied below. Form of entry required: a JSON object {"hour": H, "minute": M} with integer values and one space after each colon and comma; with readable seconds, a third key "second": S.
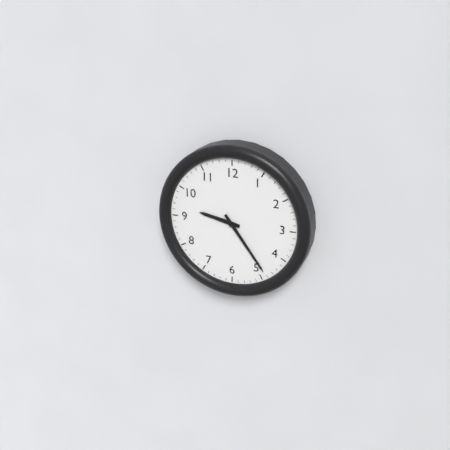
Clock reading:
{"hour": 9, "minute": 24}
